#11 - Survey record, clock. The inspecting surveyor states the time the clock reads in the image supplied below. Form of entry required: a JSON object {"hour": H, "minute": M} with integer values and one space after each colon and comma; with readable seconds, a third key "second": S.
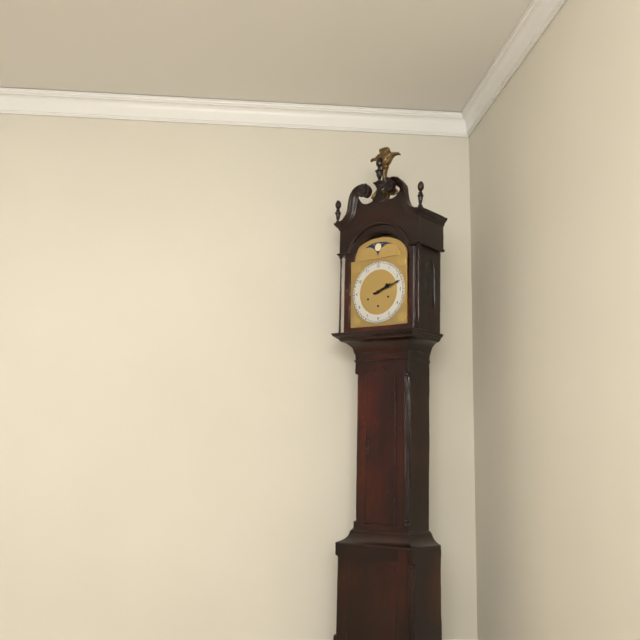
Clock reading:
{"hour": 2, "minute": 12}
